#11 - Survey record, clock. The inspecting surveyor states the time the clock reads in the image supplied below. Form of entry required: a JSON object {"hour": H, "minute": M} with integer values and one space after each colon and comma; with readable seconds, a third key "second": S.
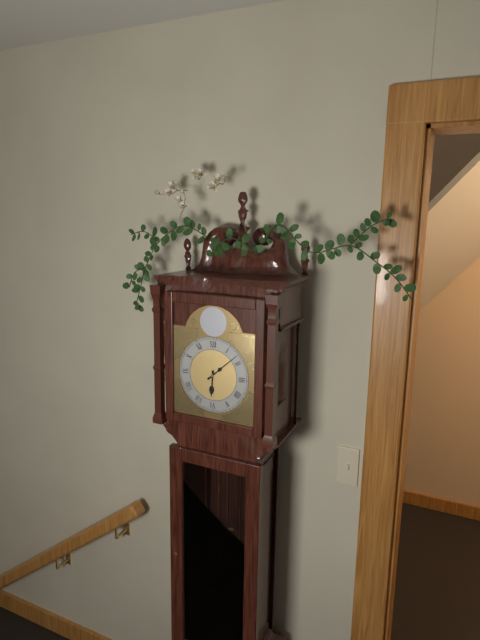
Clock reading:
{"hour": 6, "minute": 8}
